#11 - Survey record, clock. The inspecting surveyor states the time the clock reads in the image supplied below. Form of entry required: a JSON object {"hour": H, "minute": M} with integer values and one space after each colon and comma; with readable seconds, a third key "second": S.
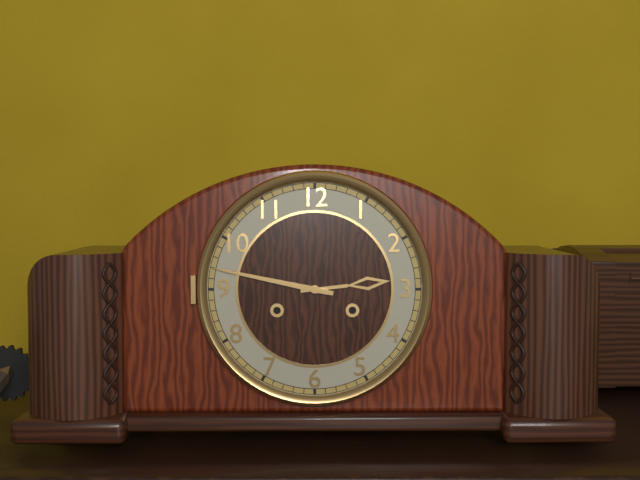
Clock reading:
{"hour": 2, "minute": 47}
